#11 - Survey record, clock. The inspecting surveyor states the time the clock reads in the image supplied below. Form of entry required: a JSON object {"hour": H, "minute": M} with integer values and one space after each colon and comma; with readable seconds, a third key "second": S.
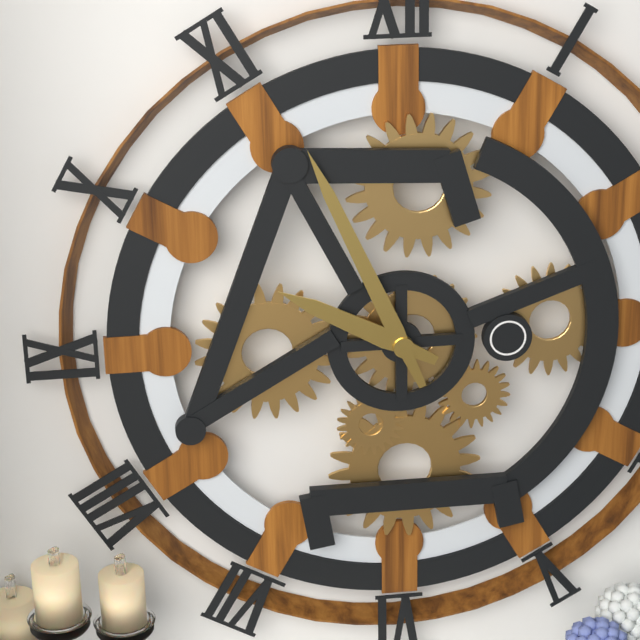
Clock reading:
{"hour": 9, "minute": 56}
